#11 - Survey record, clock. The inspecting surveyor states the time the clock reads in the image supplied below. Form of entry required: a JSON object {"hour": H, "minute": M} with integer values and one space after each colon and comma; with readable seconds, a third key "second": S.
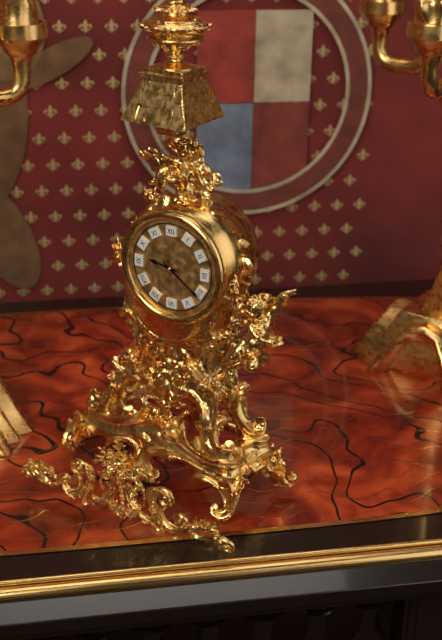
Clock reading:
{"hour": 9, "minute": 21}
